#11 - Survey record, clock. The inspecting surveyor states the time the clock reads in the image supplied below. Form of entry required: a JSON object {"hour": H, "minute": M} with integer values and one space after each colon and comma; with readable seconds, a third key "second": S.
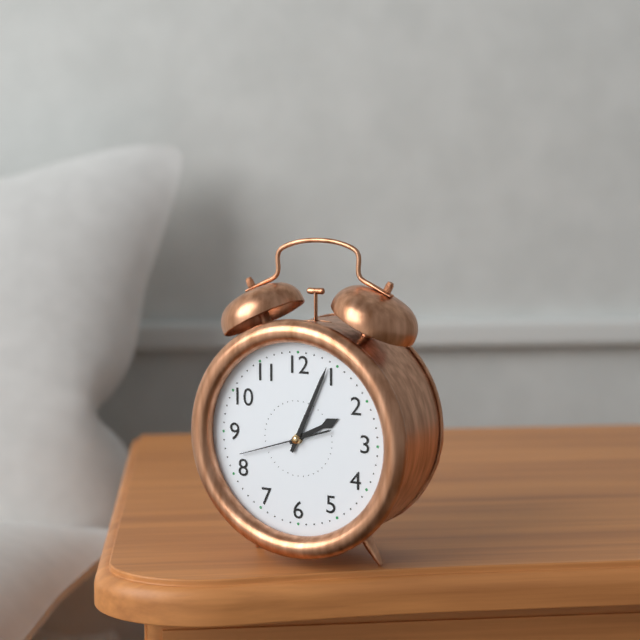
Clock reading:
{"hour": 2, "minute": 4, "second": 42}
